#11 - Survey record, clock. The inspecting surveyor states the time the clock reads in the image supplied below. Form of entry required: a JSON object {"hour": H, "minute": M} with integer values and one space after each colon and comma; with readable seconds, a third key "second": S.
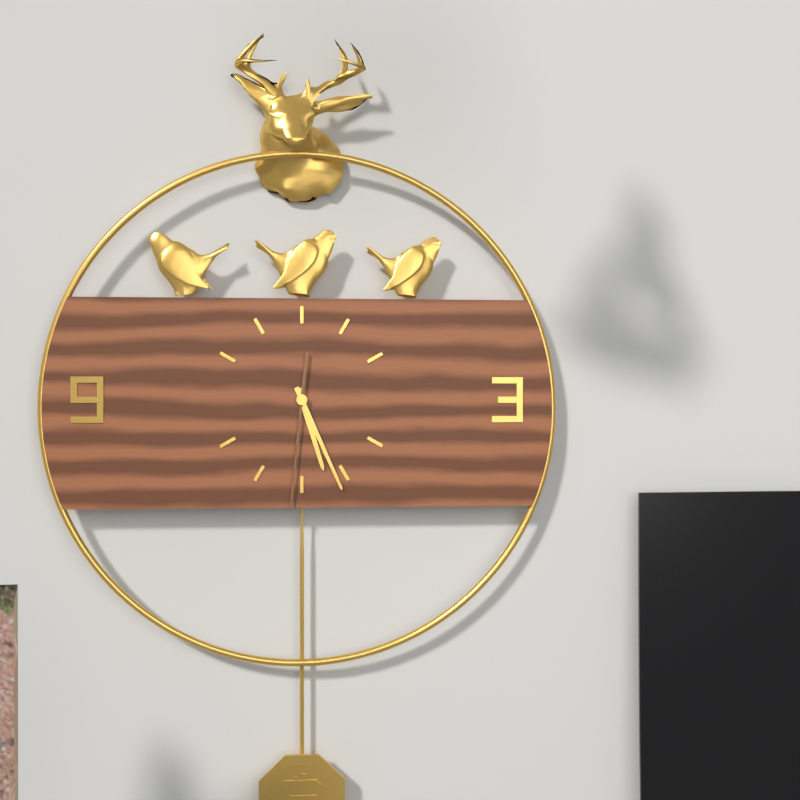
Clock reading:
{"hour": 5, "minute": 26, "second": 31}
